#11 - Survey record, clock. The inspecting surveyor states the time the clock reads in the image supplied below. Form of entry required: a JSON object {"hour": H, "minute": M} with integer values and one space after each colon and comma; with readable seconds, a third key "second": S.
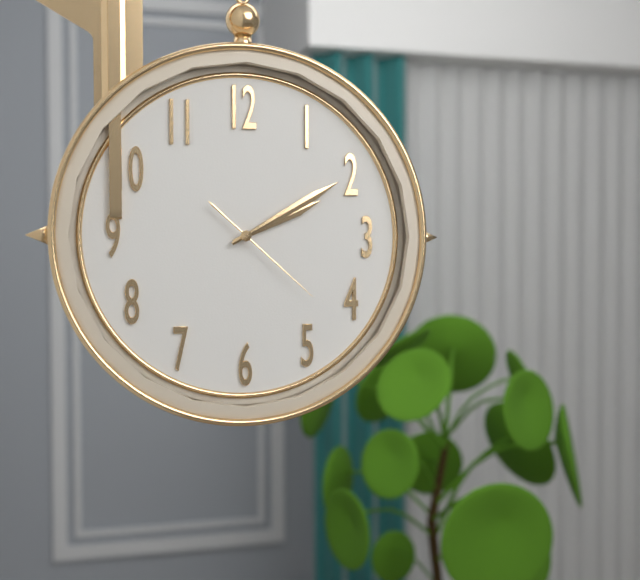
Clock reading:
{"hour": 2, "minute": 10, "second": 22}
